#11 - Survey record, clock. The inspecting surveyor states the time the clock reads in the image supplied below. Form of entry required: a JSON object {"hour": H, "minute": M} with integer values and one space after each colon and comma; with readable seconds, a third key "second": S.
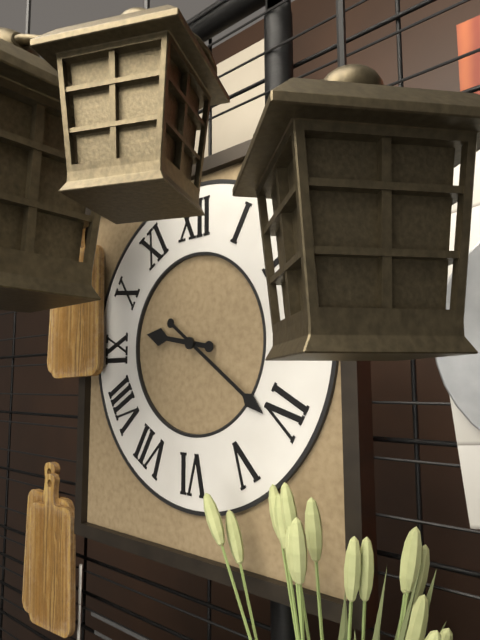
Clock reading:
{"hour": 9, "minute": 21}
